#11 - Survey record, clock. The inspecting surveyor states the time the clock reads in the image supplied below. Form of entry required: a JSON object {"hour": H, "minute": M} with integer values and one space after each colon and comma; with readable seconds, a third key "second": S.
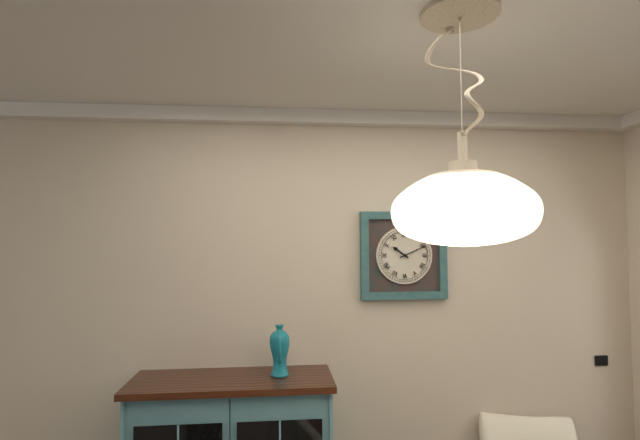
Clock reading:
{"hour": 10, "minute": 11}
